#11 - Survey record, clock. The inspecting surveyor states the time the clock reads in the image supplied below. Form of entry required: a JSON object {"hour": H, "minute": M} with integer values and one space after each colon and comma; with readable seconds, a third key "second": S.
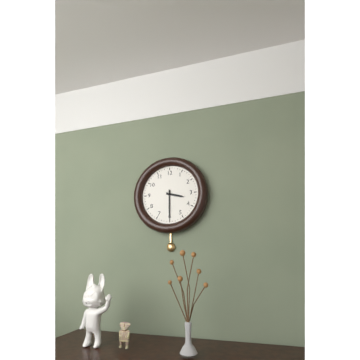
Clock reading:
{"hour": 3, "minute": 30}
